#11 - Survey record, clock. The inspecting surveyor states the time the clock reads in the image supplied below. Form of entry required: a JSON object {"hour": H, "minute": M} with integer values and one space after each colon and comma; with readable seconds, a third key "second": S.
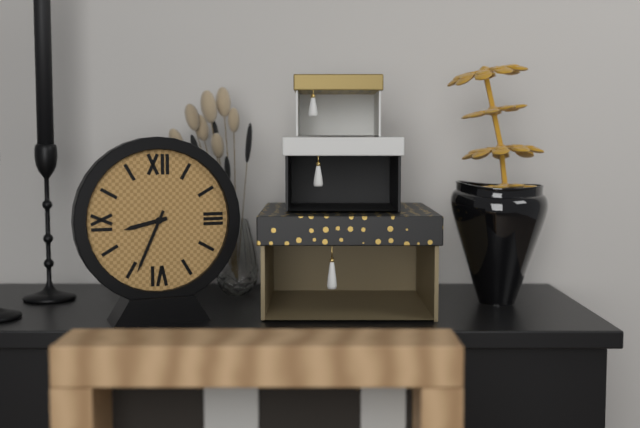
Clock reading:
{"hour": 8, "minute": 34}
